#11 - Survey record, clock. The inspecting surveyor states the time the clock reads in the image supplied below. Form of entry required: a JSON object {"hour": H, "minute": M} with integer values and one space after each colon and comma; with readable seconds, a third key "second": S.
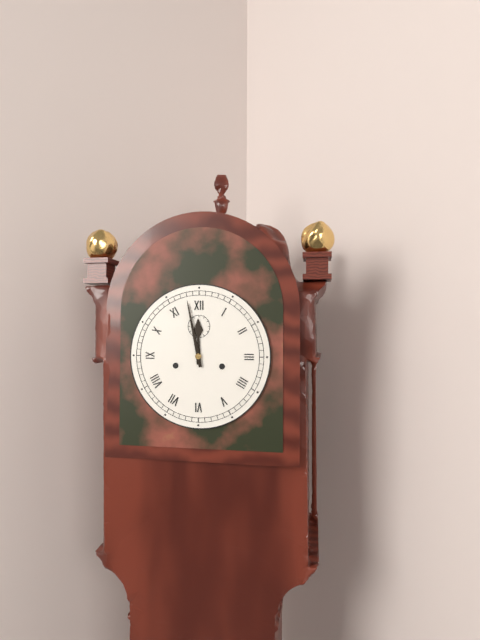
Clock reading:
{"hour": 11, "minute": 58}
